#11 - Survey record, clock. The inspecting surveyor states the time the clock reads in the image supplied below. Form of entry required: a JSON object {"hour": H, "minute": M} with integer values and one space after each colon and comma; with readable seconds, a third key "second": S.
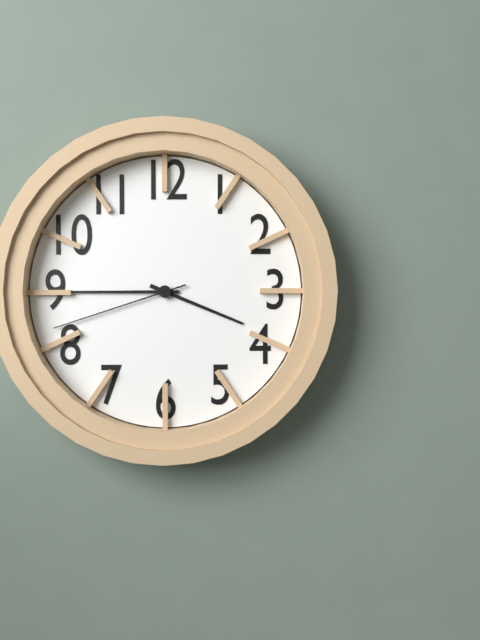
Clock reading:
{"hour": 3, "minute": 45, "second": 42}
